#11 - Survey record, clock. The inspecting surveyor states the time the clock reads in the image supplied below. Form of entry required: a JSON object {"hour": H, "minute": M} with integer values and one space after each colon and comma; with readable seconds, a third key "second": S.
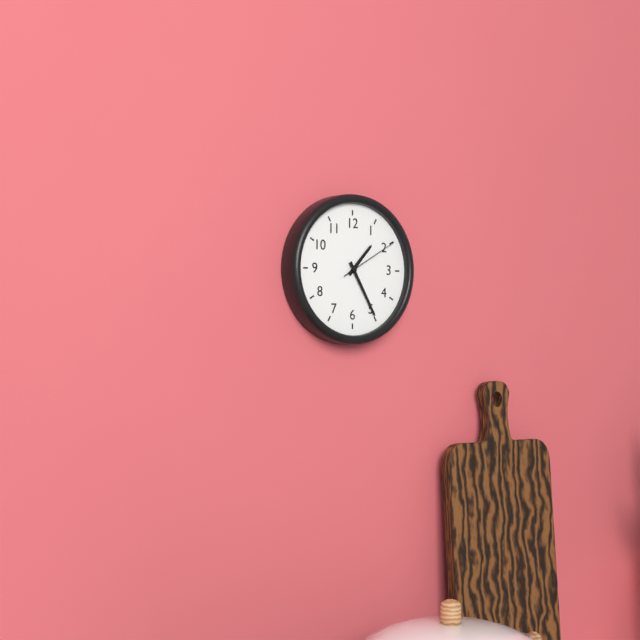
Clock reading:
{"hour": 1, "minute": 25, "second": 10}
